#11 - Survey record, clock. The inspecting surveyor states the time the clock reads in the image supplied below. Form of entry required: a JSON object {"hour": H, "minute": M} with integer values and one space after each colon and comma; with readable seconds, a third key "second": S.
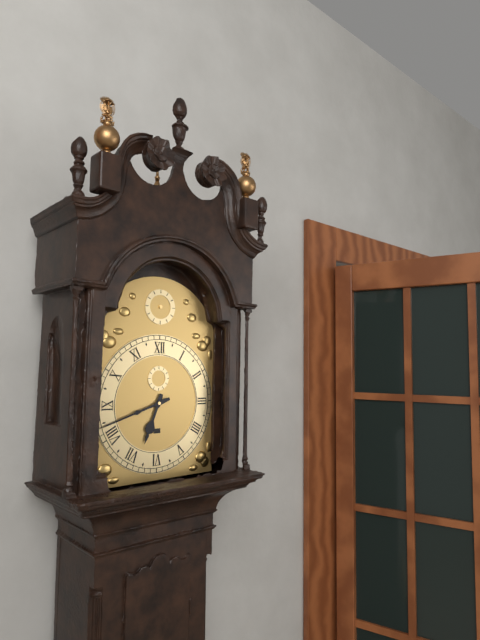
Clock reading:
{"hour": 6, "minute": 42}
